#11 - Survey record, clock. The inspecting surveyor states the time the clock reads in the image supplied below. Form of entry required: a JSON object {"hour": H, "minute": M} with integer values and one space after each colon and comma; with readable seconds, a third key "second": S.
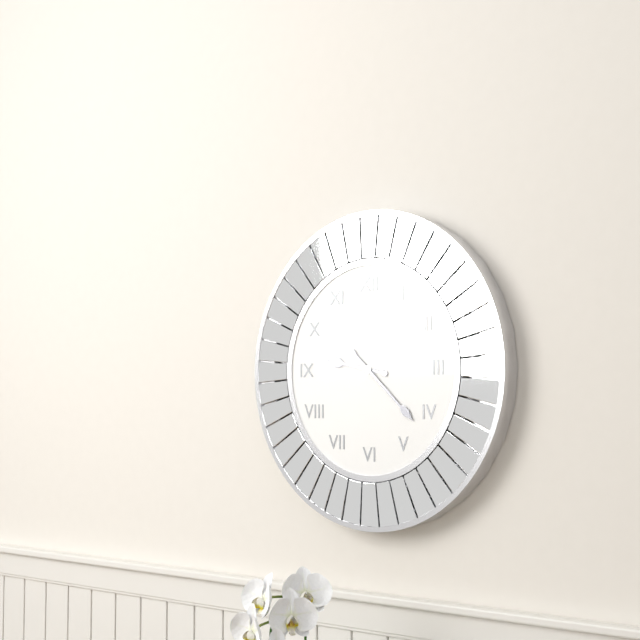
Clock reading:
{"hour": 9, "minute": 22}
